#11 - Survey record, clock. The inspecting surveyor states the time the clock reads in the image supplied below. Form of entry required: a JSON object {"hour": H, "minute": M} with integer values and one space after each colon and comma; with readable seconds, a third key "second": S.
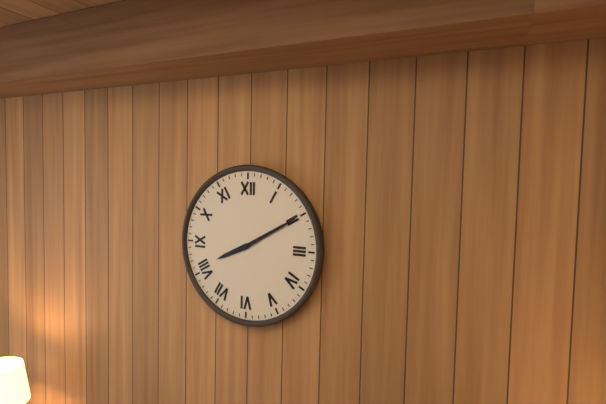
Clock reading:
{"hour": 8, "minute": 10}
